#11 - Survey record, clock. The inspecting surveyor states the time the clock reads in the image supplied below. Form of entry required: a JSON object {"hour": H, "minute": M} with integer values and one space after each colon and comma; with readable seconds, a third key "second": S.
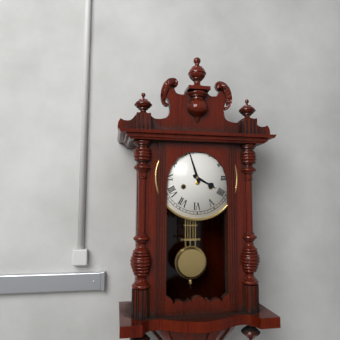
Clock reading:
{"hour": 3, "minute": 57}
